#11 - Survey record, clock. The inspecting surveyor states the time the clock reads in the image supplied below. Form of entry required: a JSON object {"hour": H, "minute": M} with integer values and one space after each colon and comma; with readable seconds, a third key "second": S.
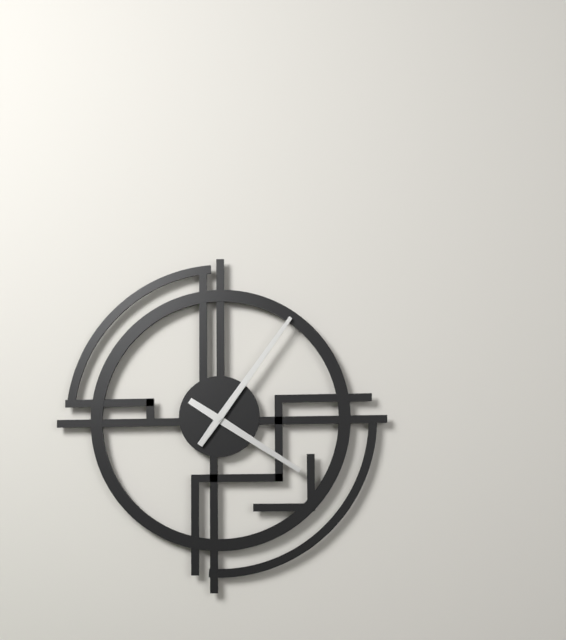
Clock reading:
{"hour": 4, "minute": 6}
